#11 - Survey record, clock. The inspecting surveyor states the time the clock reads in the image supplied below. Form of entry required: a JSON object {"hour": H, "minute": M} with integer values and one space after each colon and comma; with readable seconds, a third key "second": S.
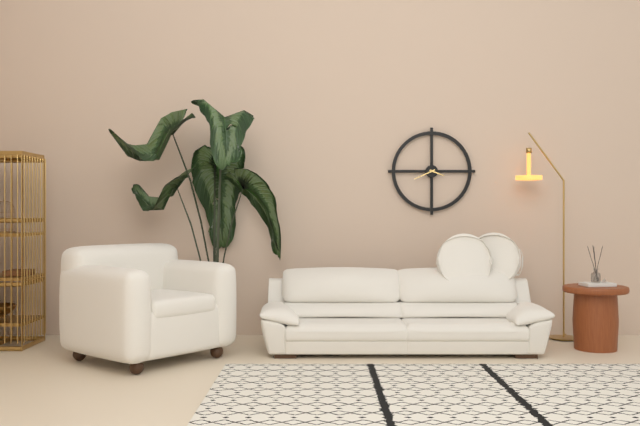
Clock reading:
{"hour": 3, "minute": 41}
